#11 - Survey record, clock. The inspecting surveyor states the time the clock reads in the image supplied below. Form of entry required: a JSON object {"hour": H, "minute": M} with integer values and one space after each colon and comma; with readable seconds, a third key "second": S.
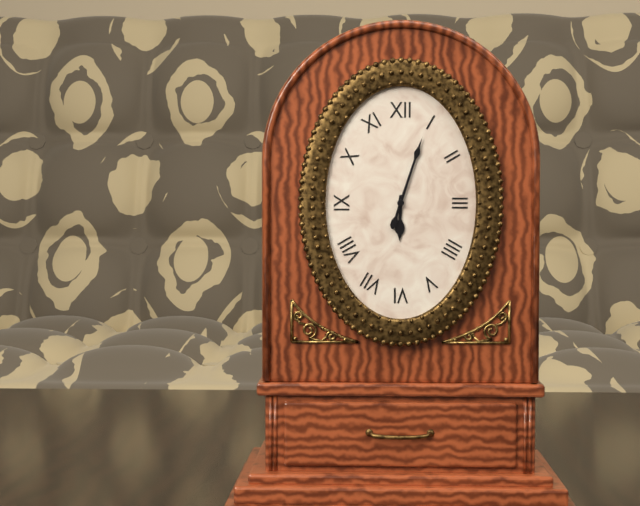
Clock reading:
{"hour": 6, "minute": 3}
